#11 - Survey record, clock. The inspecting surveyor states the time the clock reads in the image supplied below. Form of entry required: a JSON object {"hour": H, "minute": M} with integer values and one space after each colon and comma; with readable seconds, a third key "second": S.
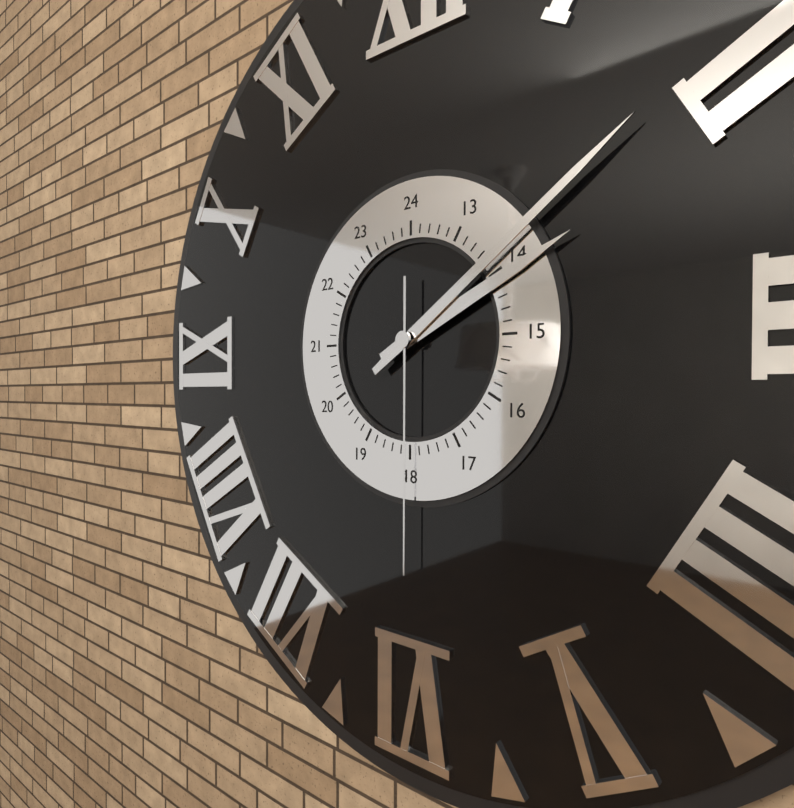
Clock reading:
{"hour": 2, "minute": 9, "second": 30}
